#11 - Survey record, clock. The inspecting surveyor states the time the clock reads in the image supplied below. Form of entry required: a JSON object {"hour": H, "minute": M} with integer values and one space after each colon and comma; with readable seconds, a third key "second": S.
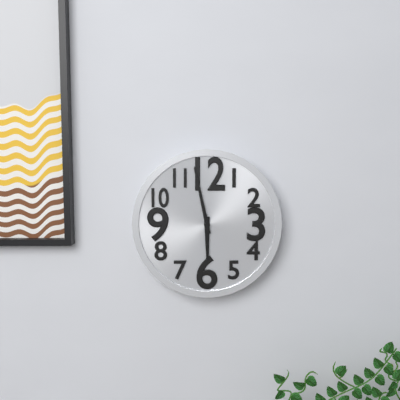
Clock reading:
{"hour": 5, "minute": 58}
